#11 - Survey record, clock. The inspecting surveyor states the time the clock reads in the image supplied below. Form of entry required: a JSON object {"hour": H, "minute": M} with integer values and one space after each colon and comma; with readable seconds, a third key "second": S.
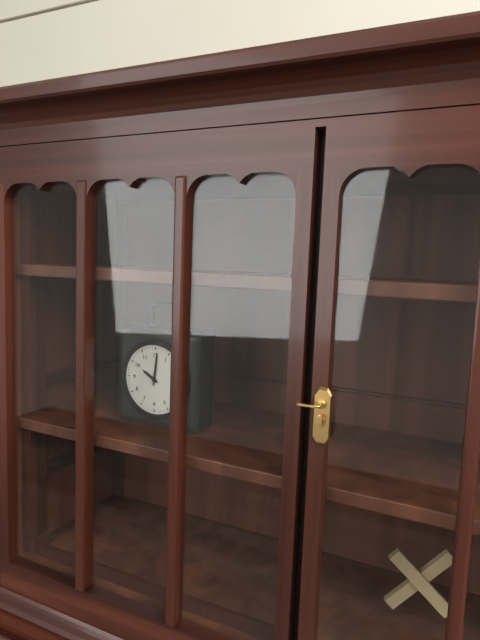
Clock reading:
{"hour": 10, "minute": 1}
